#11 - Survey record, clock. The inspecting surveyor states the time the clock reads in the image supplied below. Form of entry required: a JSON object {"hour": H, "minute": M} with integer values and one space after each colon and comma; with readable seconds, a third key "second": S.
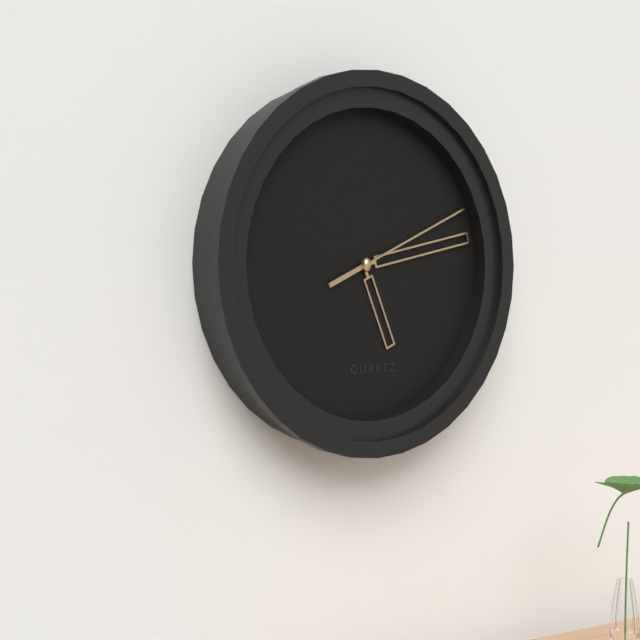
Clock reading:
{"hour": 5, "minute": 13, "second": 11}
